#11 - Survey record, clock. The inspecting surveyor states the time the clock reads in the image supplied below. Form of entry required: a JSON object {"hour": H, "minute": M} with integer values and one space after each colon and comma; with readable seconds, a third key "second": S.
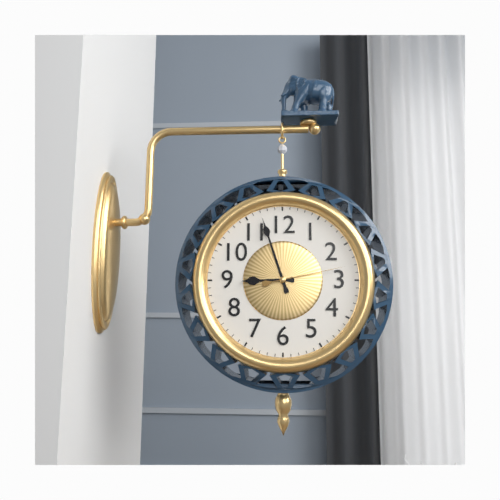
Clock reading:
{"hour": 8, "minute": 57, "second": 13}
